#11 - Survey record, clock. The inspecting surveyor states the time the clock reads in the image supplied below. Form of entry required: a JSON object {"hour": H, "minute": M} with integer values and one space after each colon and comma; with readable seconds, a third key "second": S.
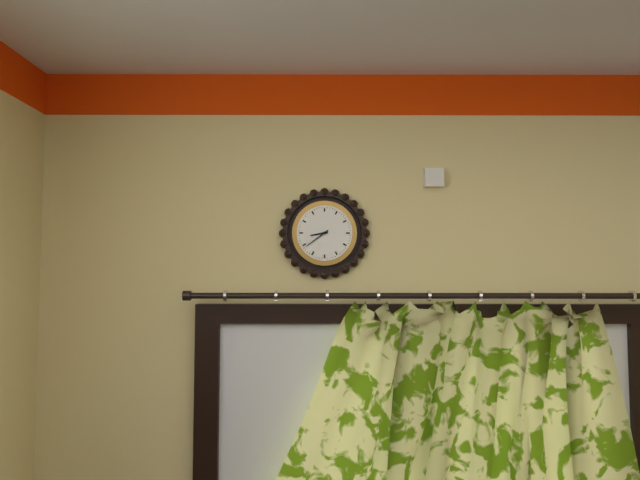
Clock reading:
{"hour": 8, "minute": 39}
